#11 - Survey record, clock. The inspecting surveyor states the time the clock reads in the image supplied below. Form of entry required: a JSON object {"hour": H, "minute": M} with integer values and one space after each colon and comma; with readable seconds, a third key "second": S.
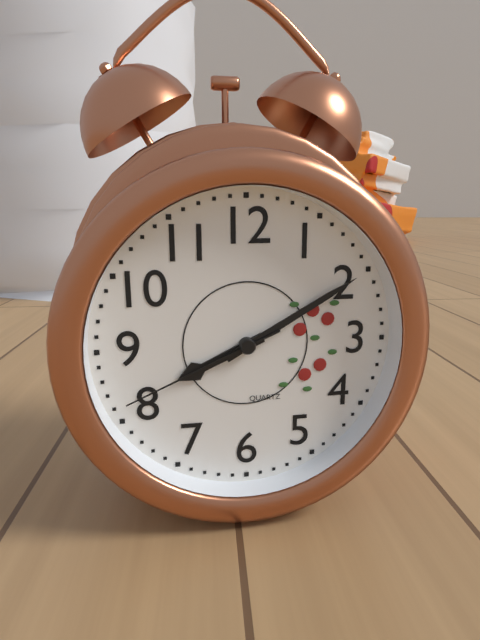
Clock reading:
{"hour": 8, "minute": 10, "second": 41}
